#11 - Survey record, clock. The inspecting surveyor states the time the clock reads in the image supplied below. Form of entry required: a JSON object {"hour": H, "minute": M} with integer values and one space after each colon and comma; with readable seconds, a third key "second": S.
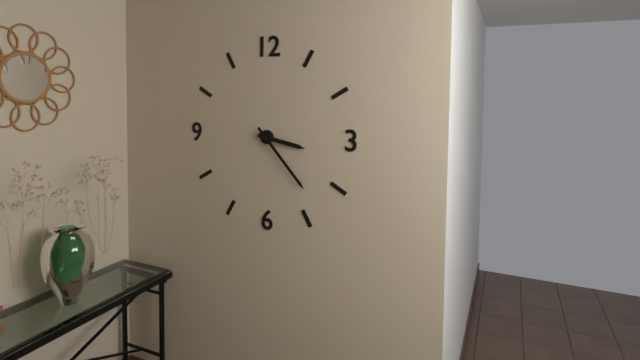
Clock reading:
{"hour": 3, "minute": 23}
